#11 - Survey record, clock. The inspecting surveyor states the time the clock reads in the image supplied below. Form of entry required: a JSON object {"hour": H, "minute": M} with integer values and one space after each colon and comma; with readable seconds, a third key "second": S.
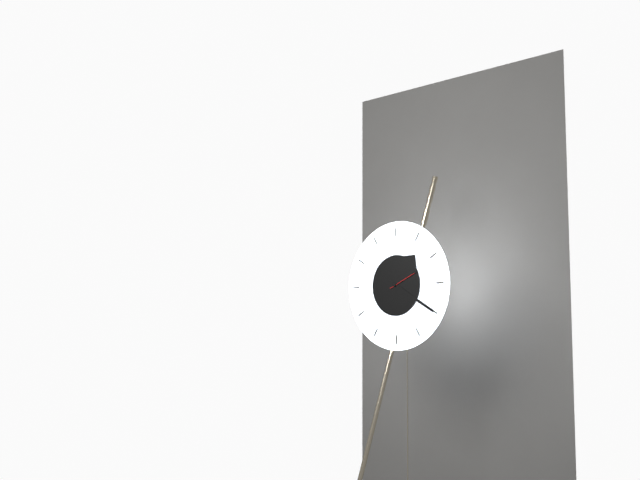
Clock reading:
{"hour": 1, "minute": 20}
